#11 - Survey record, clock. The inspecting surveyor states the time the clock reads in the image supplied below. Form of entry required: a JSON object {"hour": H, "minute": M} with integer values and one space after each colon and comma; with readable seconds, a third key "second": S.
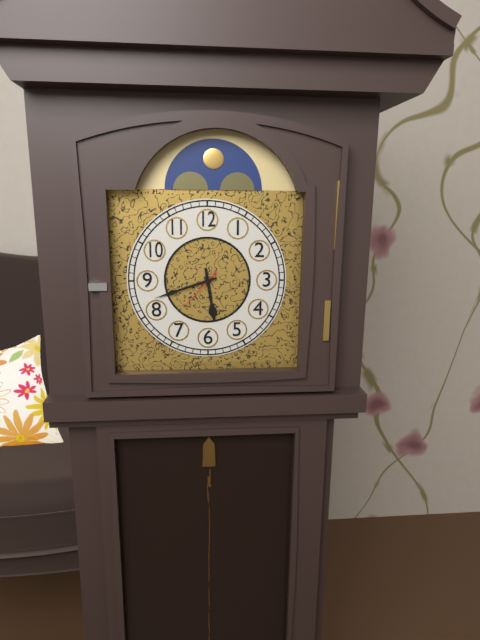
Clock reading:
{"hour": 5, "minute": 42}
